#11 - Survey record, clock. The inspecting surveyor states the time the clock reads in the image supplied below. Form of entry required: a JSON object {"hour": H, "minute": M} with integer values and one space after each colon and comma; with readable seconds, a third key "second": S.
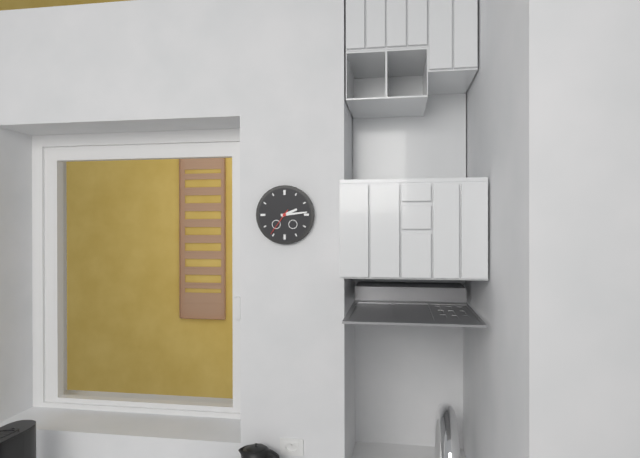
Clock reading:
{"hour": 2, "minute": 14}
